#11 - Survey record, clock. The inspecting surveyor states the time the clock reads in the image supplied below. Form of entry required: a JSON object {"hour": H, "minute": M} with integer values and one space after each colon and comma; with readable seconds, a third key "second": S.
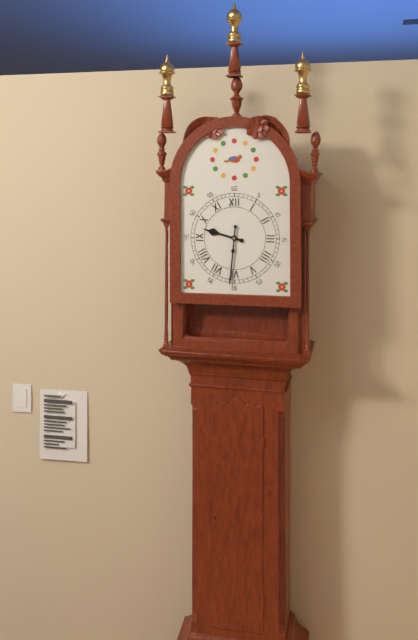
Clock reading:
{"hour": 9, "minute": 31}
